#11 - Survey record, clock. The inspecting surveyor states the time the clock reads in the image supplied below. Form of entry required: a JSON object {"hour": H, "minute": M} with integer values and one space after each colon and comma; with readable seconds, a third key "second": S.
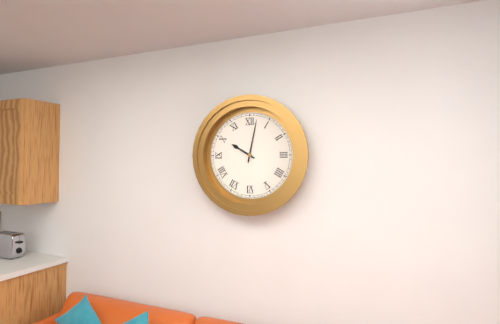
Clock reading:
{"hour": 10, "minute": 2}
